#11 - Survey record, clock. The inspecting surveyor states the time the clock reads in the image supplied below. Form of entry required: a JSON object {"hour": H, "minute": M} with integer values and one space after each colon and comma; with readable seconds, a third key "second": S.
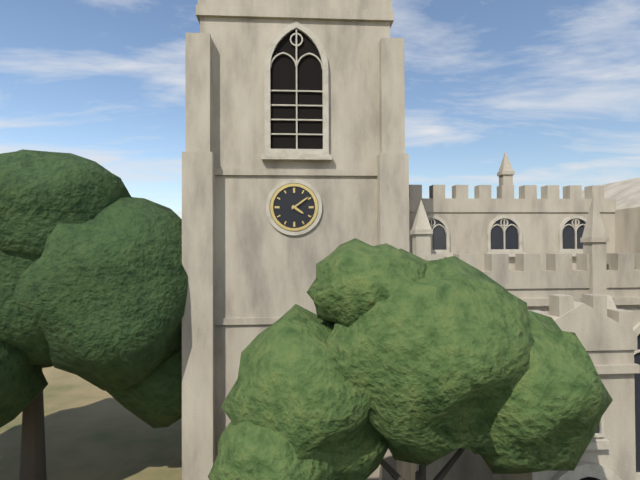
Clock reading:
{"hour": 4, "minute": 9}
